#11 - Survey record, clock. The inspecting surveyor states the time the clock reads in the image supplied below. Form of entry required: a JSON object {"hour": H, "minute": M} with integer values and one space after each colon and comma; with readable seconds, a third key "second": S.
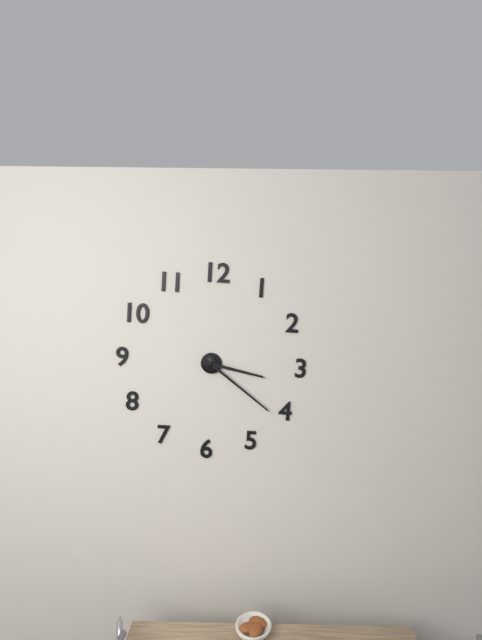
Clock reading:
{"hour": 3, "minute": 21}
